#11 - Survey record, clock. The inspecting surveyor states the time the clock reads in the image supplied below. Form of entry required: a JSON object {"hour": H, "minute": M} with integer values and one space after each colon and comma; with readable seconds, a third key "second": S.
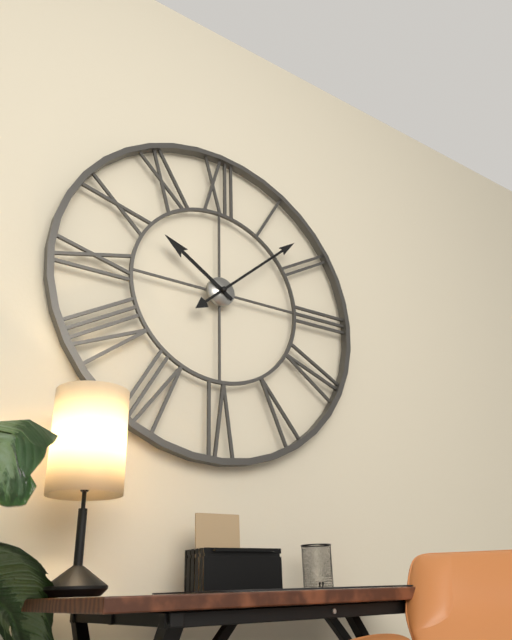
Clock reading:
{"hour": 10, "minute": 8}
